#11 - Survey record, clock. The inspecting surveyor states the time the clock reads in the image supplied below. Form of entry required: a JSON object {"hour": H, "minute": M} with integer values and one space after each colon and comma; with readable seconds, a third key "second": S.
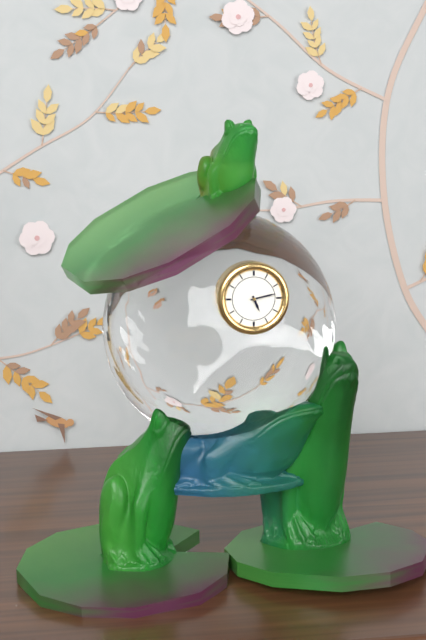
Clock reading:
{"hour": 5, "minute": 13}
